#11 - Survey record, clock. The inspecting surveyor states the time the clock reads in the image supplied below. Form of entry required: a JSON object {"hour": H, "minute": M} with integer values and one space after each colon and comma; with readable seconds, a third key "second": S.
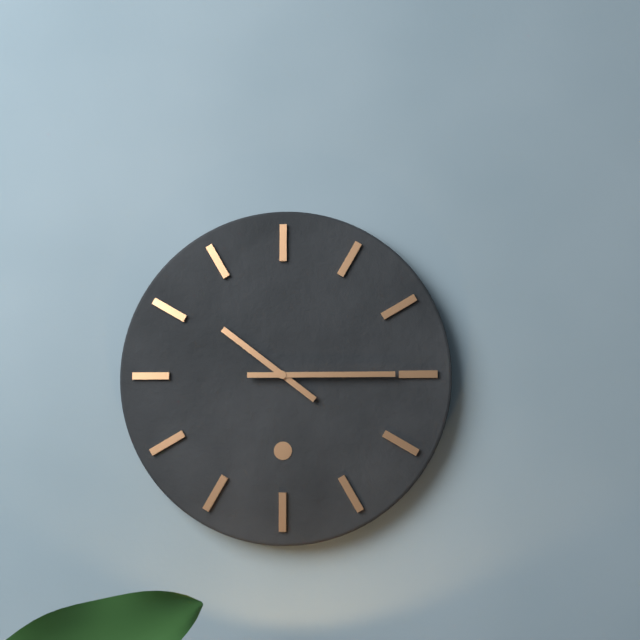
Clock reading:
{"hour": 10, "minute": 15}
